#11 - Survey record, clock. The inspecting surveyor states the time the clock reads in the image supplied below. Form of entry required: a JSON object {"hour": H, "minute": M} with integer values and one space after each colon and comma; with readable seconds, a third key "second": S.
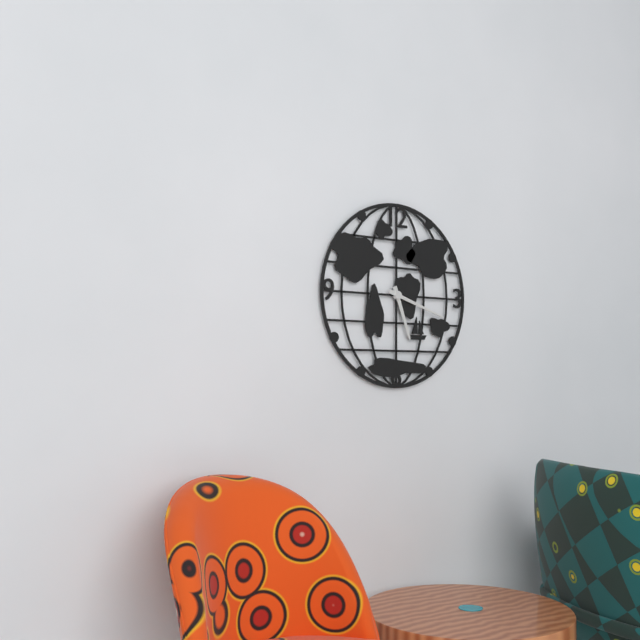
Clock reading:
{"hour": 5, "minute": 18}
